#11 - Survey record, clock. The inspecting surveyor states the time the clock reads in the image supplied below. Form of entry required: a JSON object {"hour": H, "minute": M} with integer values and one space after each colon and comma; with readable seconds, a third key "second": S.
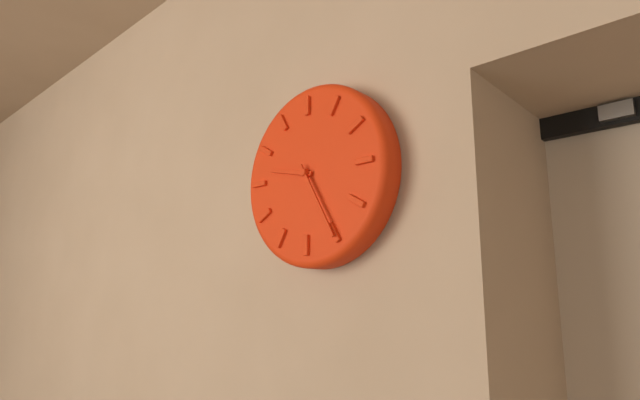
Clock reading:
{"hour": 9, "minute": 25}
